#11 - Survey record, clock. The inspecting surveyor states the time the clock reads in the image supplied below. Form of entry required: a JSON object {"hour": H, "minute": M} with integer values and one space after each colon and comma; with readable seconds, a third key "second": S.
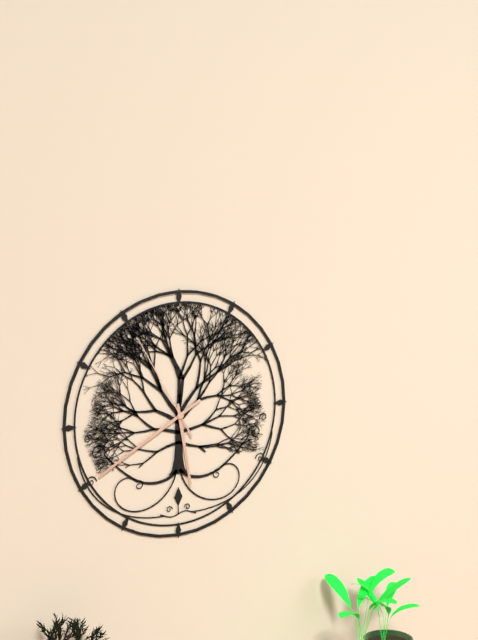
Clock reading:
{"hour": 5, "minute": 40, "second": 55}
